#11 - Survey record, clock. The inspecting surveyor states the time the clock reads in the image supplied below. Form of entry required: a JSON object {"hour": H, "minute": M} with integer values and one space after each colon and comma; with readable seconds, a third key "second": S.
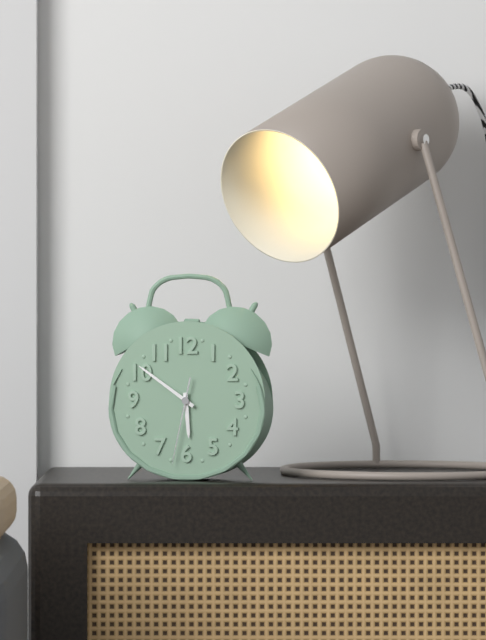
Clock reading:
{"hour": 5, "minute": 51, "second": 32}
